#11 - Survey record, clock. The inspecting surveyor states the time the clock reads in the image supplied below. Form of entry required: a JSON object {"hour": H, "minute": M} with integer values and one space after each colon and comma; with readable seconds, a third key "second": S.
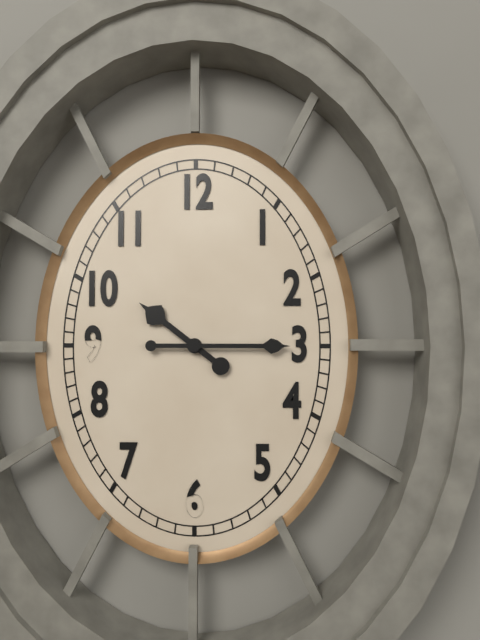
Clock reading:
{"hour": 10, "minute": 15}
